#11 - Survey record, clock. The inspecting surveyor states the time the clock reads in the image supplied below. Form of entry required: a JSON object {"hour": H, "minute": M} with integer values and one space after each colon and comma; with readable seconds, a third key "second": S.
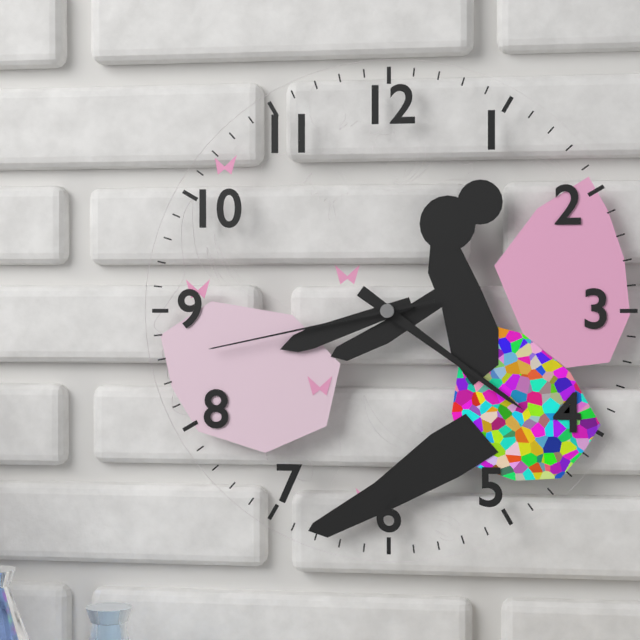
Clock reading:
{"hour": 8, "minute": 21, "second": 43}
